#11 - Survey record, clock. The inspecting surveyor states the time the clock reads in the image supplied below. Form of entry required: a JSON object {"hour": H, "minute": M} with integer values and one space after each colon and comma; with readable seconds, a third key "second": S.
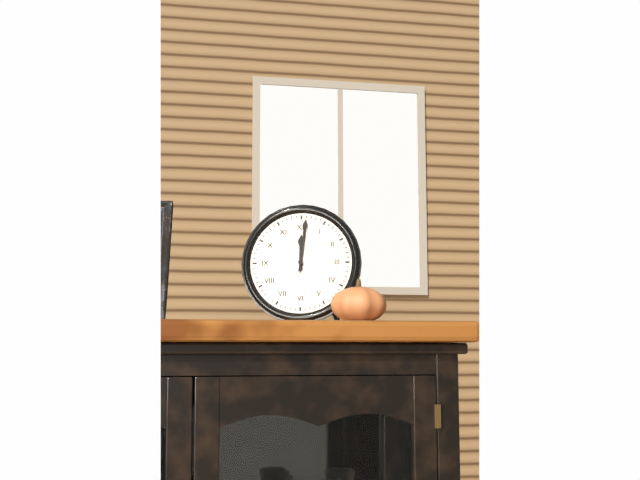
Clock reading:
{"hour": 12, "minute": 1}
